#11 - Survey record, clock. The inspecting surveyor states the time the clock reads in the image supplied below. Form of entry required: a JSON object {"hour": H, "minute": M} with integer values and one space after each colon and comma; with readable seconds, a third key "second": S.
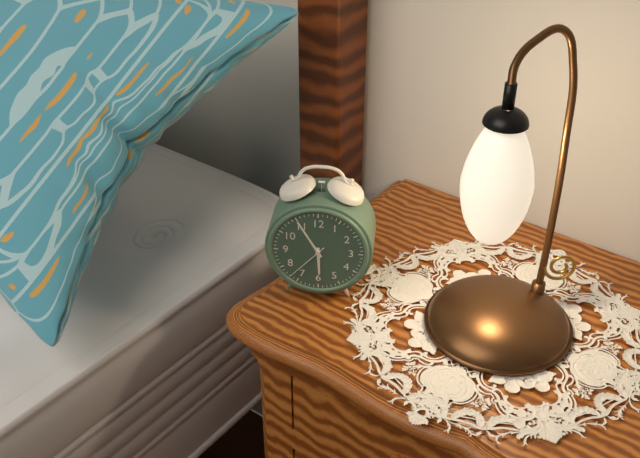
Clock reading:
{"hour": 5, "minute": 55}
